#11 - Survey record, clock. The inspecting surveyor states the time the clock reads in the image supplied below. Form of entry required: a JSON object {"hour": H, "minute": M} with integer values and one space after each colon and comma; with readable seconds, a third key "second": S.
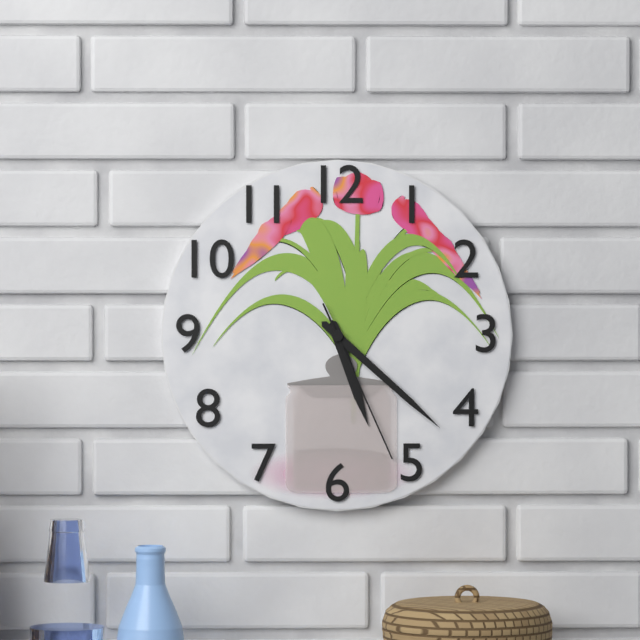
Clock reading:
{"hour": 5, "minute": 22, "second": 26}
